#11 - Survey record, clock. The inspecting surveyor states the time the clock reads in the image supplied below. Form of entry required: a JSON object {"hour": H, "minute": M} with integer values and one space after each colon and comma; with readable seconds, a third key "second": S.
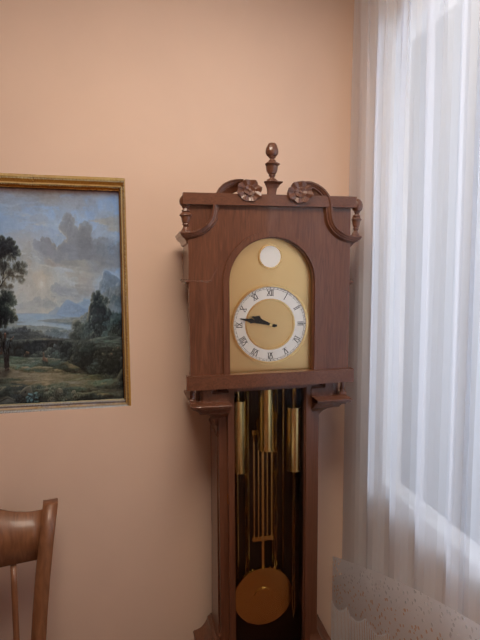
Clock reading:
{"hour": 9, "minute": 47}
